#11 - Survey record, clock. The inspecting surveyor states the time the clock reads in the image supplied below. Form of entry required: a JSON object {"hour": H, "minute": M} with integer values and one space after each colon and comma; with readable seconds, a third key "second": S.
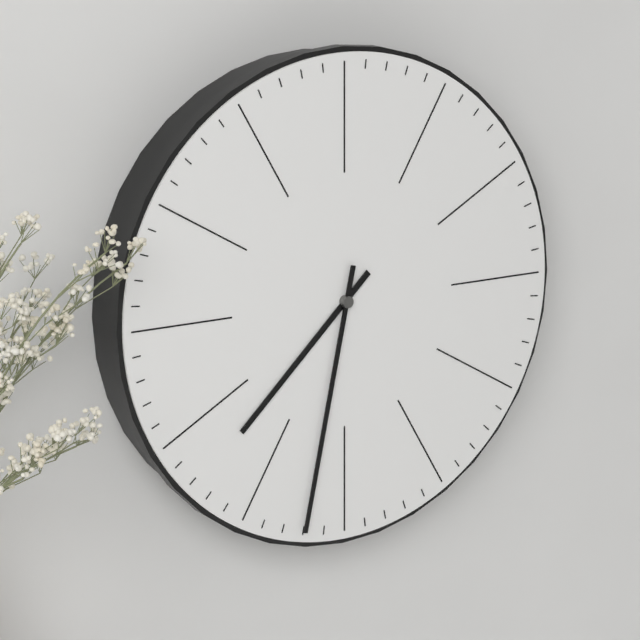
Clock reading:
{"hour": 7, "minute": 32}
